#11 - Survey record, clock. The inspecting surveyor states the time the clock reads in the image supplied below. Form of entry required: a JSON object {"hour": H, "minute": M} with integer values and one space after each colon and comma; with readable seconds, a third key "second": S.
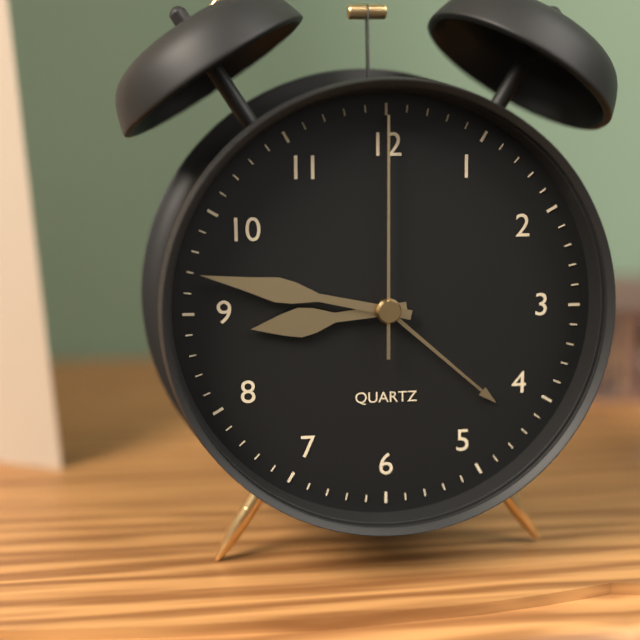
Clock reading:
{"hour": 8, "minute": 47, "second": 0}
